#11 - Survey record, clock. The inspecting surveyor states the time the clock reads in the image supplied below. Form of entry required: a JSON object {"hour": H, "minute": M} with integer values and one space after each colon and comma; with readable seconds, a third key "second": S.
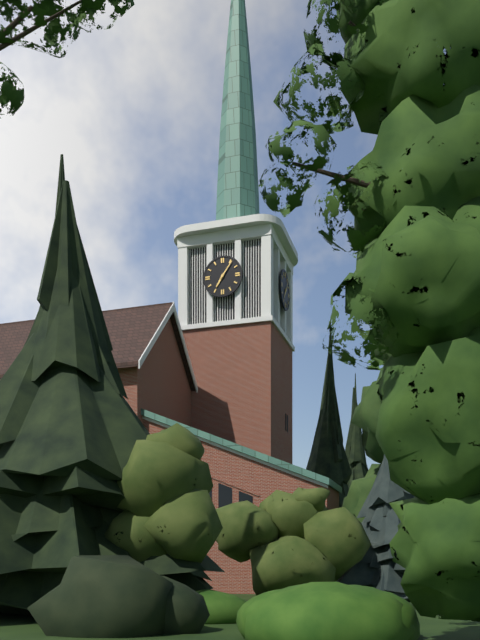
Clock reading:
{"hour": 7, "minute": 6}
